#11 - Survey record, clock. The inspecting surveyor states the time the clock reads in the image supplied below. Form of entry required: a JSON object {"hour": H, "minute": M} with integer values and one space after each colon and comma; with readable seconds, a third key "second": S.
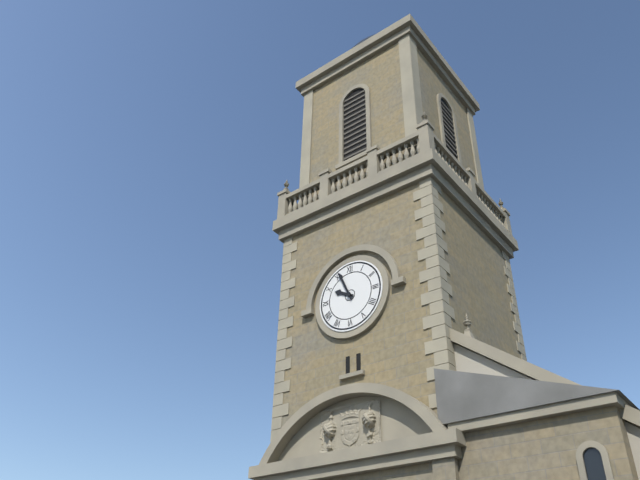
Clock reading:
{"hour": 9, "minute": 56}
